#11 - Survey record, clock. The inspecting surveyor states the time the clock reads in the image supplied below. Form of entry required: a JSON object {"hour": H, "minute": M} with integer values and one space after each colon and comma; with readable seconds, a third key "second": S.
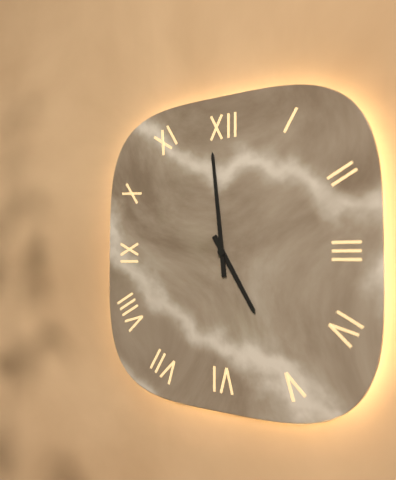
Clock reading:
{"hour": 4, "minute": 59}
